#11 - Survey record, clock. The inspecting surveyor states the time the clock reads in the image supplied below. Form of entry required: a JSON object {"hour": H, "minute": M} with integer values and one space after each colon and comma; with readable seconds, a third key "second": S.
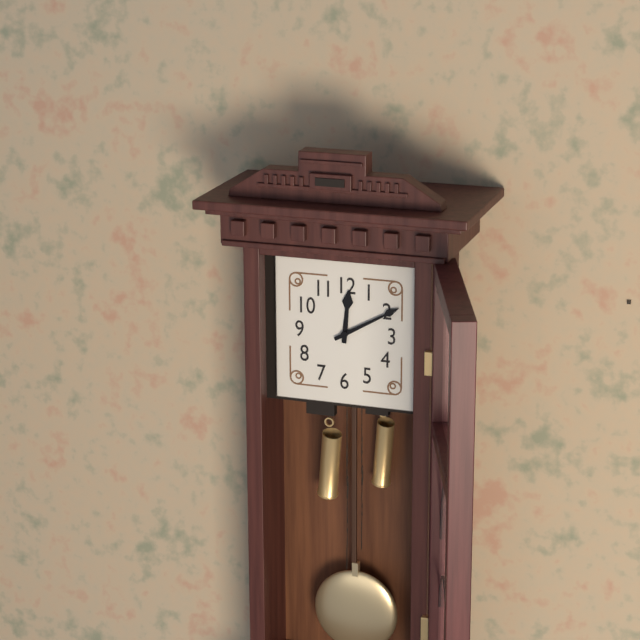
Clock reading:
{"hour": 12, "minute": 10}
